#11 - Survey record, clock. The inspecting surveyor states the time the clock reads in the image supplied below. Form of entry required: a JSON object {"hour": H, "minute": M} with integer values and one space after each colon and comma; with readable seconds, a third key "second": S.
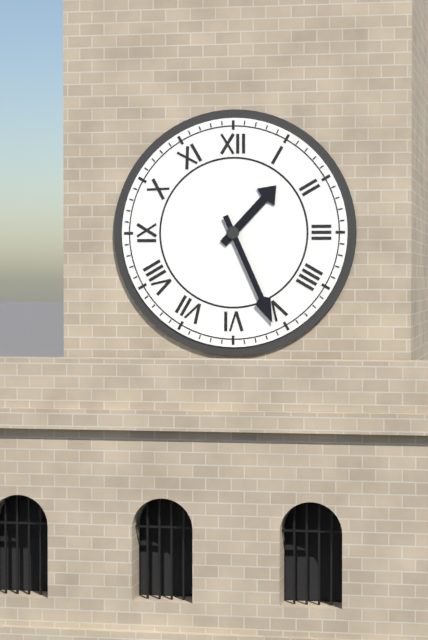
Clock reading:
{"hour": 1, "minute": 26}
